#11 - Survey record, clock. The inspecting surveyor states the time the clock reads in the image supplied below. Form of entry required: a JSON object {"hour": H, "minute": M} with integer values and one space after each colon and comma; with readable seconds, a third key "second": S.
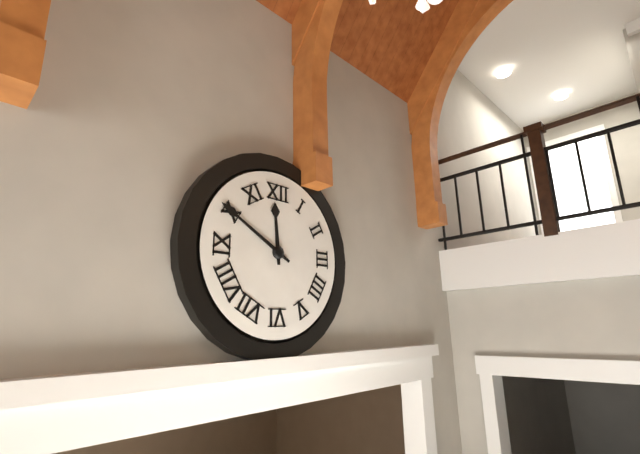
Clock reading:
{"hour": 11, "minute": 50}
